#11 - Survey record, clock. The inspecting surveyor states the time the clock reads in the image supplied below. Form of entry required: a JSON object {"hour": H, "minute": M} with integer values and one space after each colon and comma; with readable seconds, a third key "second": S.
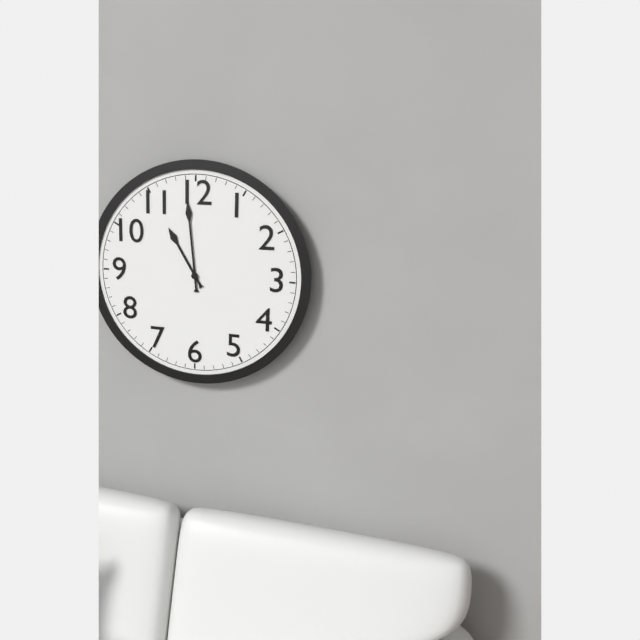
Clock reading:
{"hour": 10, "minute": 59}
